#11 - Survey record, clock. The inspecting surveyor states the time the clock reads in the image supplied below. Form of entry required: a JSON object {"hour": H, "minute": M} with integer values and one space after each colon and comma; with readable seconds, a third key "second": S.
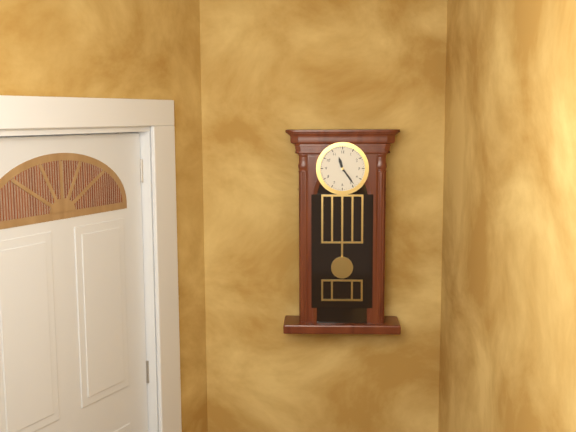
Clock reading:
{"hour": 11, "minute": 24}
